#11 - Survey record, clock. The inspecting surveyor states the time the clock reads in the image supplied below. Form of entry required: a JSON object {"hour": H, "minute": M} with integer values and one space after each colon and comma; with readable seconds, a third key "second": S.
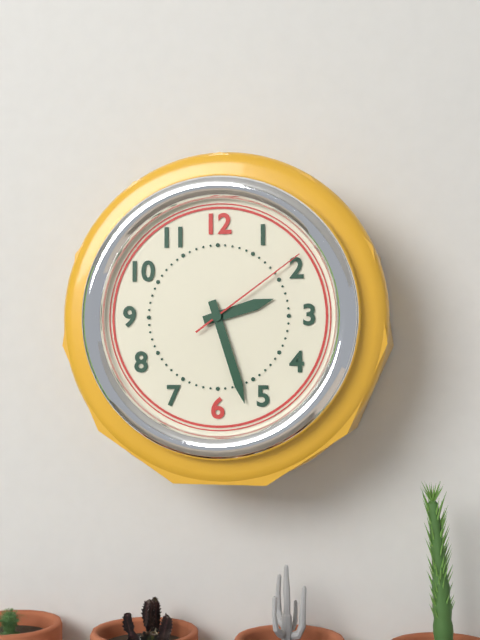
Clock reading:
{"hour": 2, "minute": 27, "second": 9}
